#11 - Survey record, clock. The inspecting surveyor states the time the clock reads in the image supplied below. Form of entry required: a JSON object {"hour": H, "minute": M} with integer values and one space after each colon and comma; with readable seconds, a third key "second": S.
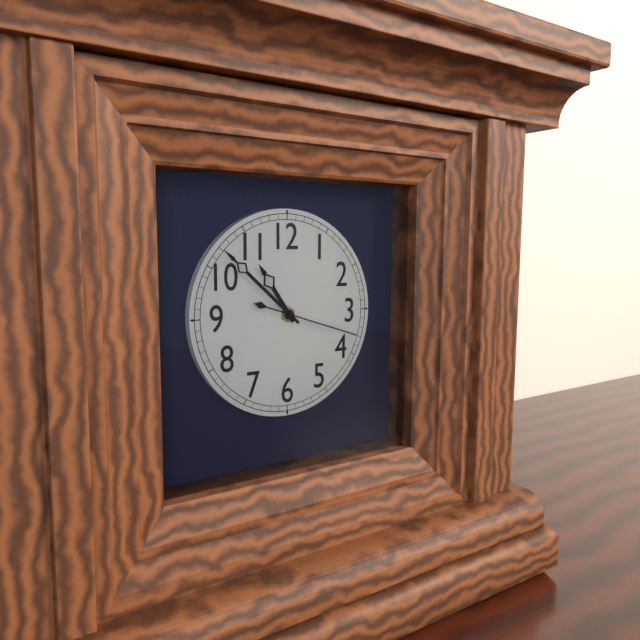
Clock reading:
{"hour": 10, "minute": 52, "second": 18}
